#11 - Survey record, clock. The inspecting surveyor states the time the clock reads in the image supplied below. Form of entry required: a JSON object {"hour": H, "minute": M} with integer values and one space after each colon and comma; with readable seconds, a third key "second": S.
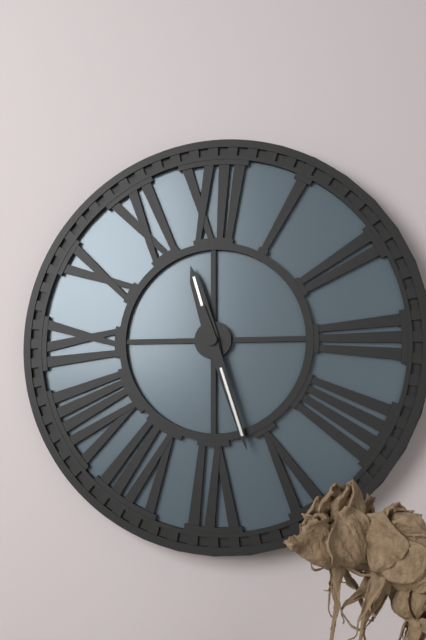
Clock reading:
{"hour": 11, "minute": 27}
